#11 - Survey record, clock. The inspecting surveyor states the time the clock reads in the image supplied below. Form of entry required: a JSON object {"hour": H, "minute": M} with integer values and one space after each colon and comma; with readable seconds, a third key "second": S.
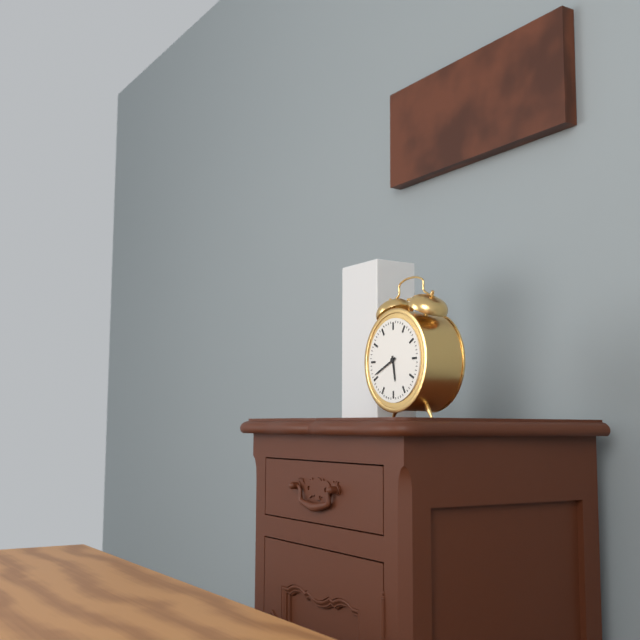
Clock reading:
{"hour": 5, "minute": 41}
